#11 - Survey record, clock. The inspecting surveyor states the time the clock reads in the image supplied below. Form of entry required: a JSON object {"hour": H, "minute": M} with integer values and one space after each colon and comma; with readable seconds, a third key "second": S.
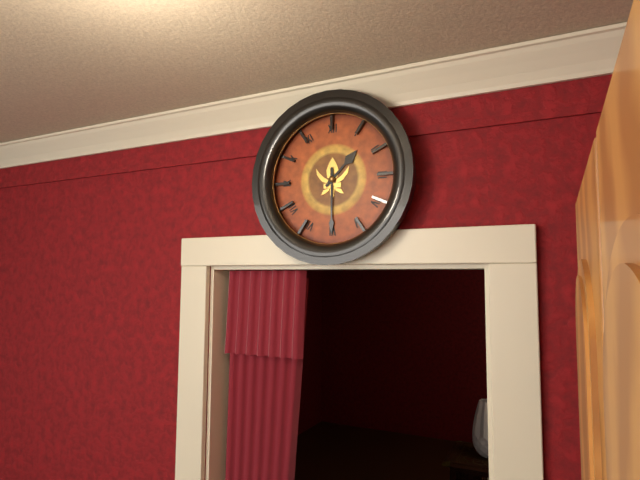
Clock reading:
{"hour": 1, "minute": 30}
